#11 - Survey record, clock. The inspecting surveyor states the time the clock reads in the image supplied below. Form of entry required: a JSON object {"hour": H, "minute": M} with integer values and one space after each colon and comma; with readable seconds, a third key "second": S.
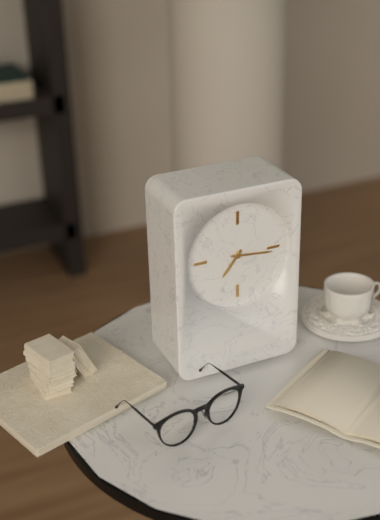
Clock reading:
{"hour": 7, "minute": 16}
